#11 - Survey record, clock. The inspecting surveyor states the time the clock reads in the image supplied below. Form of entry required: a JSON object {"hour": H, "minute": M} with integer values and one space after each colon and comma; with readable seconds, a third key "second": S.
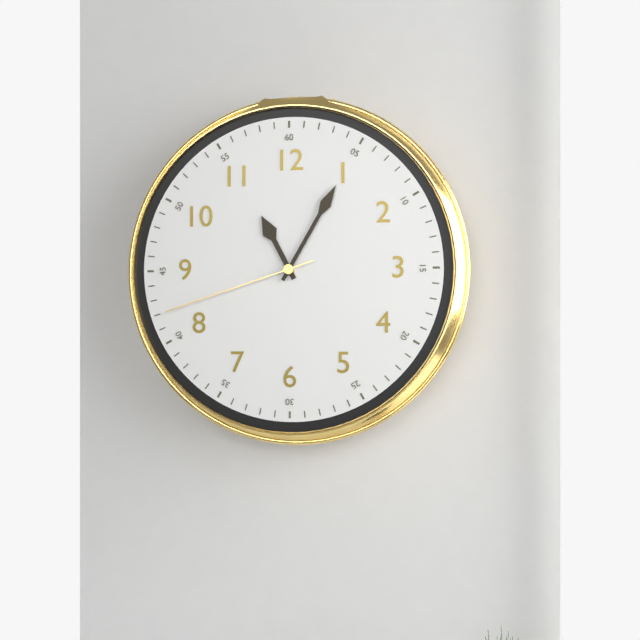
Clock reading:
{"hour": 11, "minute": 5, "second": 42}
